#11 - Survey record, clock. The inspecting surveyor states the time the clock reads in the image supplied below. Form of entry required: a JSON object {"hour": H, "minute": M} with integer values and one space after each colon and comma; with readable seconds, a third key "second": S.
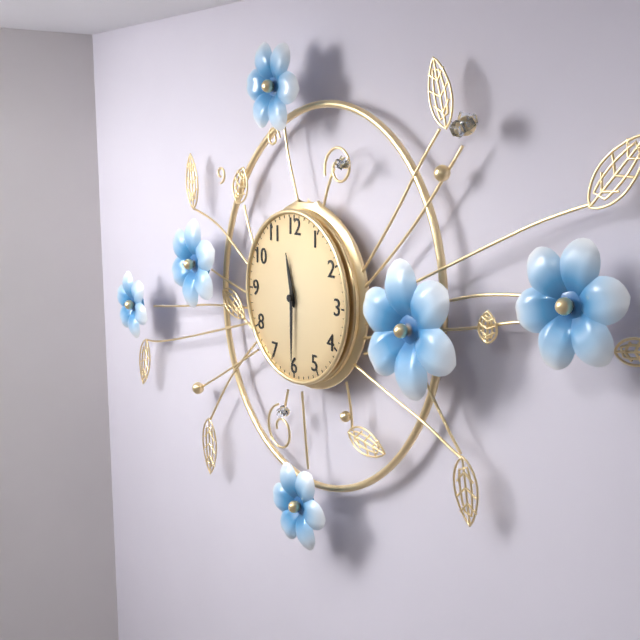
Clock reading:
{"hour": 11, "minute": 30}
